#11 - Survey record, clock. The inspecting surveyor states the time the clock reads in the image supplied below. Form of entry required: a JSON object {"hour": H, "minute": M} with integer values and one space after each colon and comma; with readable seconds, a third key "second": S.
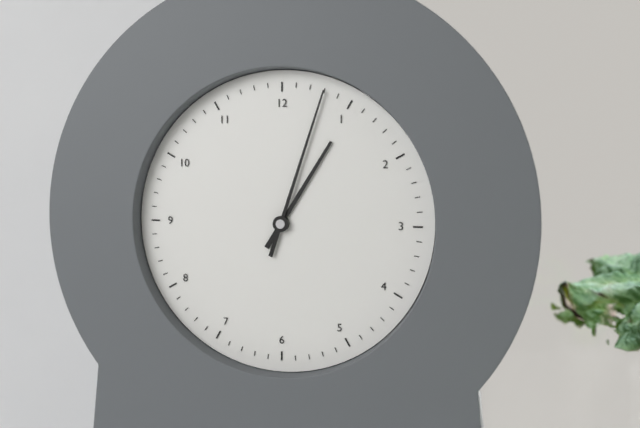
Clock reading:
{"hour": 1, "minute": 3}
